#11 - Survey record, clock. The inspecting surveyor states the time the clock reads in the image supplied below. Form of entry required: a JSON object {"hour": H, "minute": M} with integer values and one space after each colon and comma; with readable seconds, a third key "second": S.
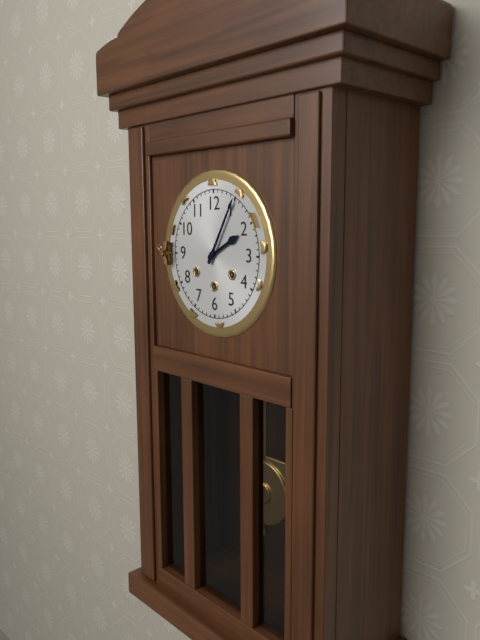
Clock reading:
{"hour": 2, "minute": 5}
